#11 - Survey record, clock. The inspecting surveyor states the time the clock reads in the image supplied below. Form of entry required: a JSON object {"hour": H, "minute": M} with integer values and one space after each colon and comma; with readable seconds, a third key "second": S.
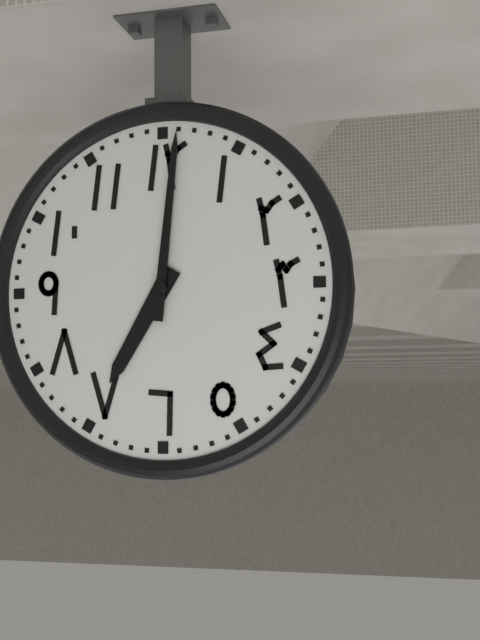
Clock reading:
{"hour": 7, "minute": 1}
